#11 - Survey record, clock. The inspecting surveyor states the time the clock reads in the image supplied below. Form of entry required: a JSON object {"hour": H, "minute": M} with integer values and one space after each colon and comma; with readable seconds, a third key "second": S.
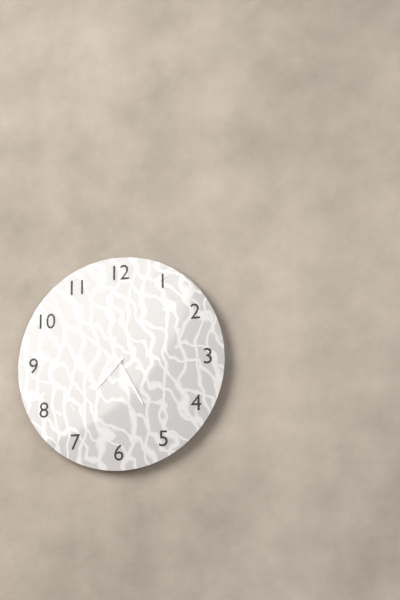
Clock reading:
{"hour": 7, "minute": 25}
